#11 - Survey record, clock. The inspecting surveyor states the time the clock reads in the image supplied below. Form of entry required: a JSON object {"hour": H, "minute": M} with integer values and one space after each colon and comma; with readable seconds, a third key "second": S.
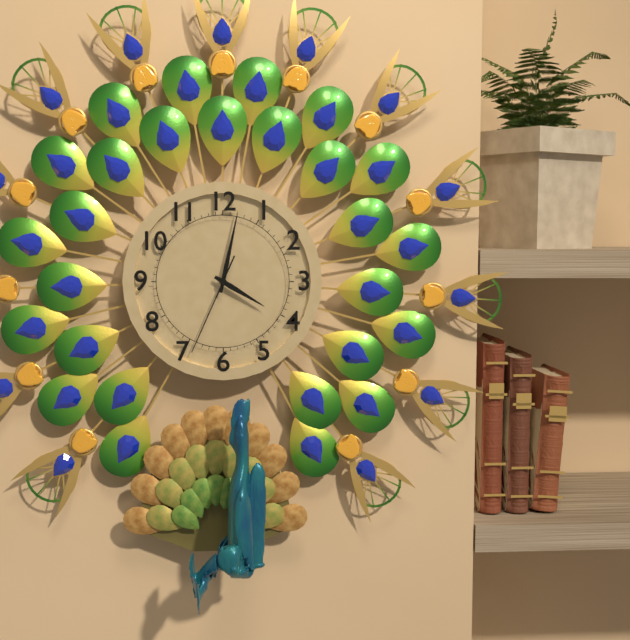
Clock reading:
{"hour": 4, "minute": 2, "second": 34}
